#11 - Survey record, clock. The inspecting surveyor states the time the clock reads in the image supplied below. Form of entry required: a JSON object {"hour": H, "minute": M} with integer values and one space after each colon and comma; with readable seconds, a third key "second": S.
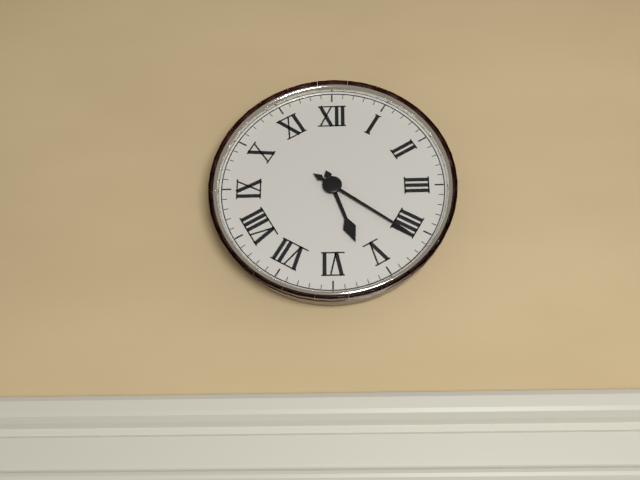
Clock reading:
{"hour": 5, "minute": 21}
